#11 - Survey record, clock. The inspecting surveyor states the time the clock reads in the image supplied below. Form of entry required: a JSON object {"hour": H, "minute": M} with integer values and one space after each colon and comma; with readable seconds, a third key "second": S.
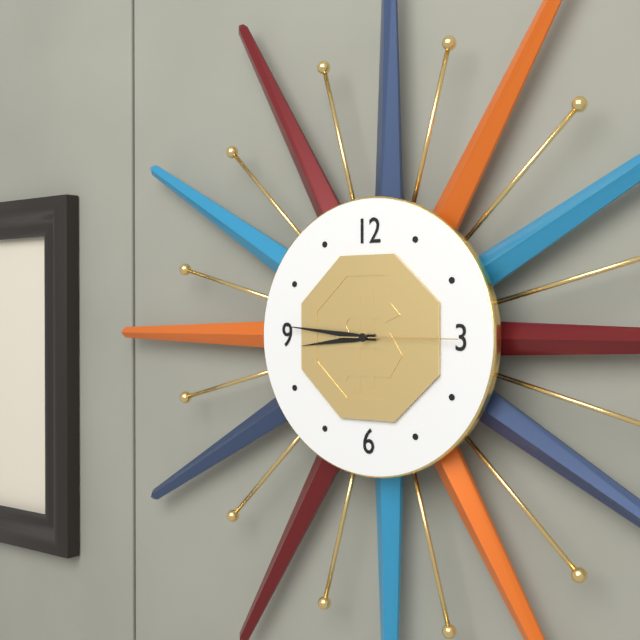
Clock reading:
{"hour": 8, "minute": 46, "second": 15}
